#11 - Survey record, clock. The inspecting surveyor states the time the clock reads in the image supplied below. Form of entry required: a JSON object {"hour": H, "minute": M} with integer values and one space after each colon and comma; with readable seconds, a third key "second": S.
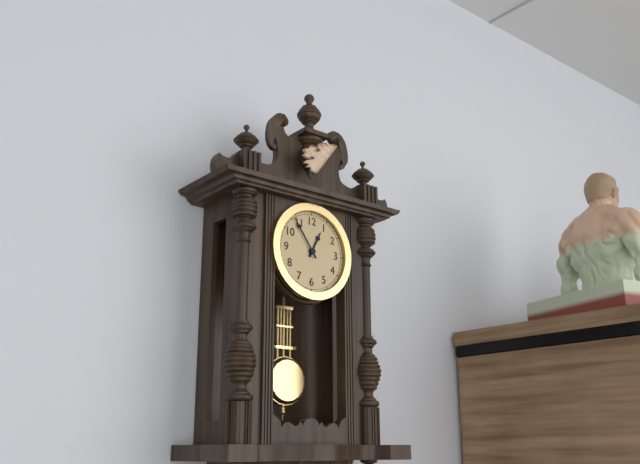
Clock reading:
{"hour": 12, "minute": 54}
